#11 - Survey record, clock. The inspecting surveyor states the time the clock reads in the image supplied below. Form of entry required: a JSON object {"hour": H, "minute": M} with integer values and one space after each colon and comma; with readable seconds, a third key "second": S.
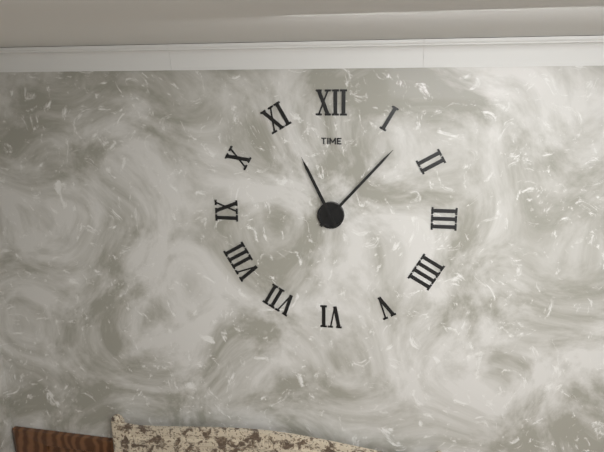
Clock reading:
{"hour": 11, "minute": 7}
